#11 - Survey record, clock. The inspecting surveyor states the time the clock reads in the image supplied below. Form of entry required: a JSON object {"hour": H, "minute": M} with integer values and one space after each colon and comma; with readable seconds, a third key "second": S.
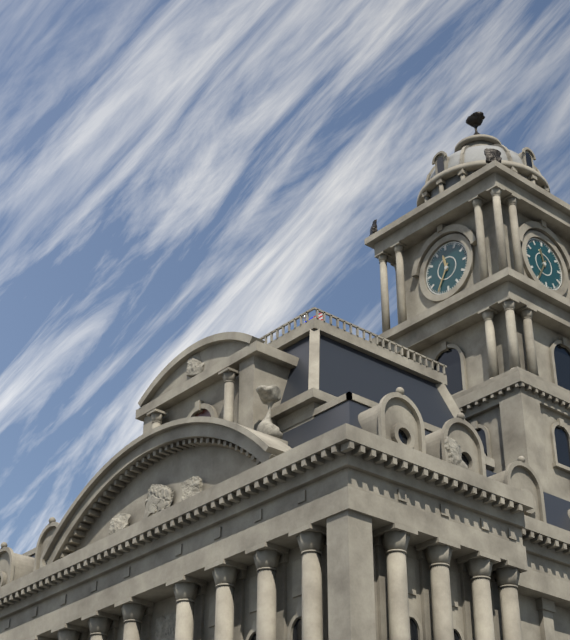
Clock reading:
{"hour": 11, "minute": 35}
